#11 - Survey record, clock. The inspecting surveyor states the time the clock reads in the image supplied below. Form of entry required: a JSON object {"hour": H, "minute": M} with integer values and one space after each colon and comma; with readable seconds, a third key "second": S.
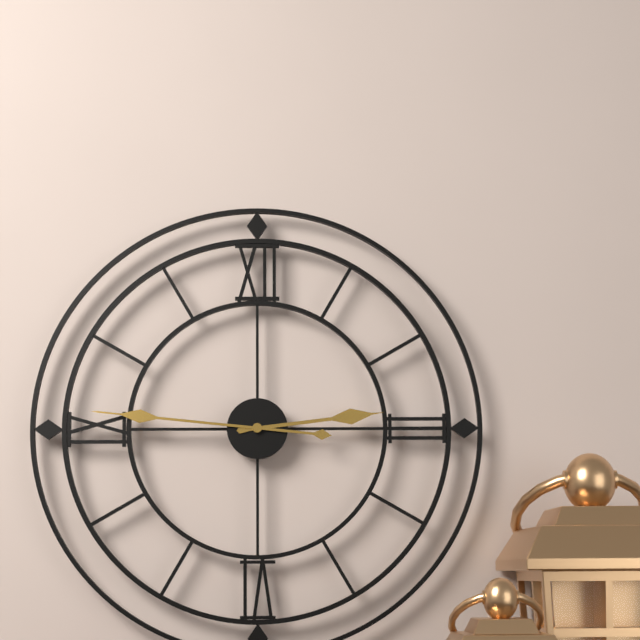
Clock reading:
{"hour": 2, "minute": 46}
